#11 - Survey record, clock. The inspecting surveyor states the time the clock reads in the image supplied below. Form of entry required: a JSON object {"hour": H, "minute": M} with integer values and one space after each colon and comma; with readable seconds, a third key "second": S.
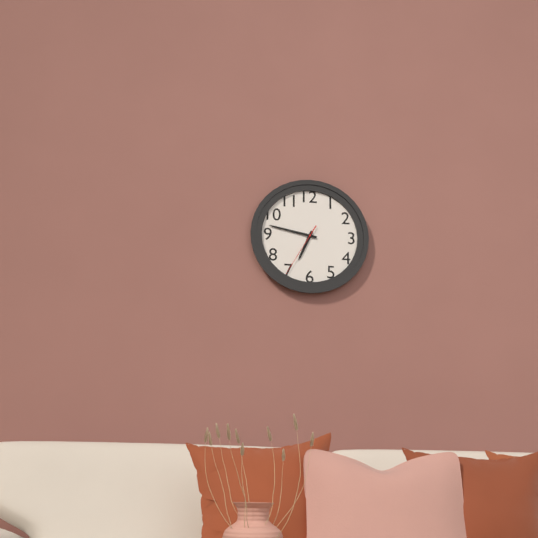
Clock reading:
{"hour": 6, "minute": 47, "second": 35}
